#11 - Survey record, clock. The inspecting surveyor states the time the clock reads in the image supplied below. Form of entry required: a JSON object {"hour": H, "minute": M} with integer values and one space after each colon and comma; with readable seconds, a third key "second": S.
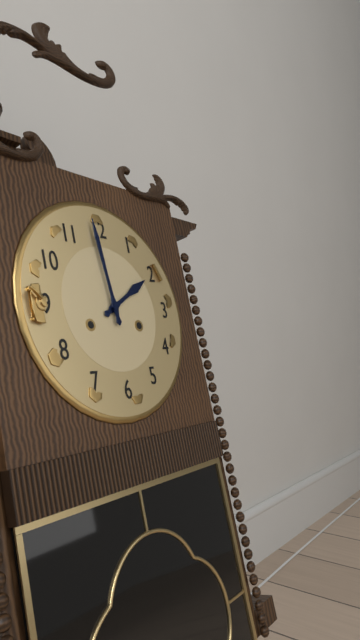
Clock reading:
{"hour": 1, "minute": 59}
